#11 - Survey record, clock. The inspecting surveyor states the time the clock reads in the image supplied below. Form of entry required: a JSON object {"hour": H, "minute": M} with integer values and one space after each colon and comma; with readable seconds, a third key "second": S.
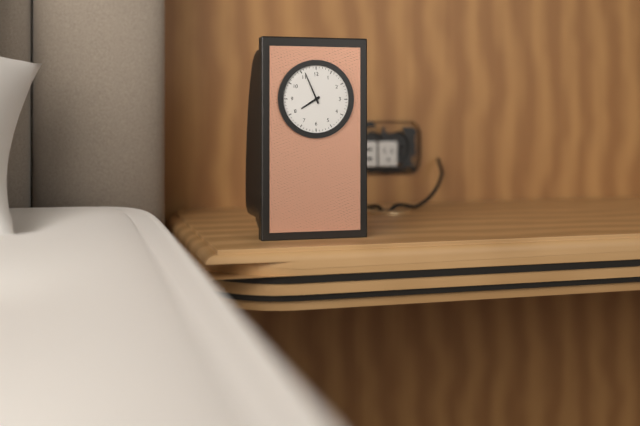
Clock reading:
{"hour": 7, "minute": 56}
